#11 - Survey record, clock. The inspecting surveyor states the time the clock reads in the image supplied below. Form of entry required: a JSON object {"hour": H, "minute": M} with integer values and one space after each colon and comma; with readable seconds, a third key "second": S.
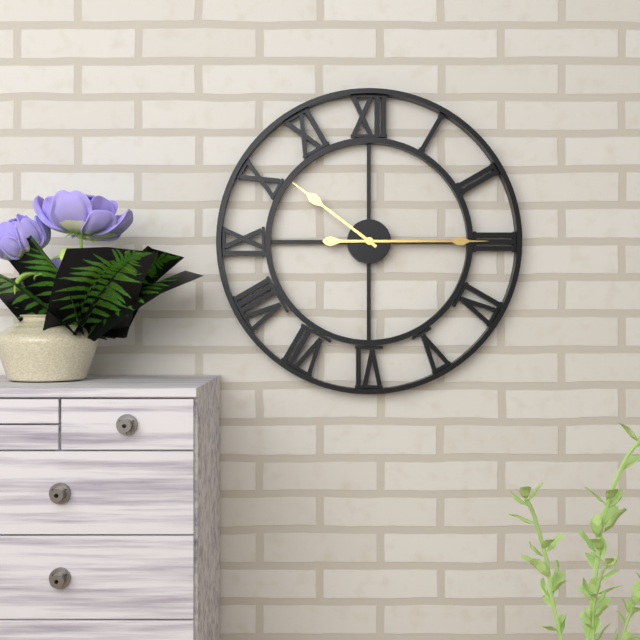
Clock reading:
{"hour": 10, "minute": 15}
